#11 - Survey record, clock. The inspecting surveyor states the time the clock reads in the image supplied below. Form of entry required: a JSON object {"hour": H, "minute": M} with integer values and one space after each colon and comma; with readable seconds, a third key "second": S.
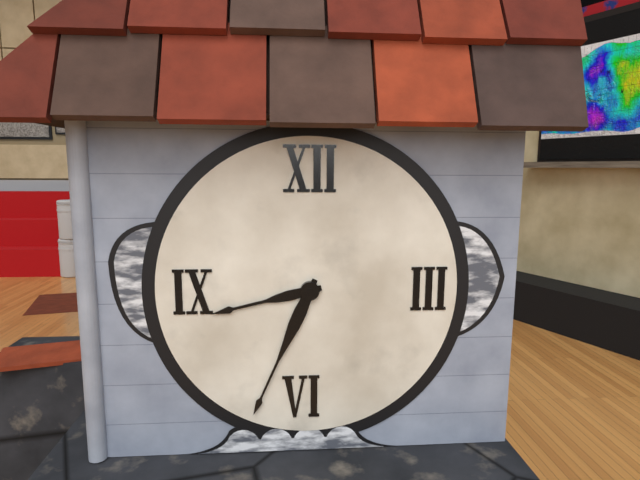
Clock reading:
{"hour": 8, "minute": 34}
